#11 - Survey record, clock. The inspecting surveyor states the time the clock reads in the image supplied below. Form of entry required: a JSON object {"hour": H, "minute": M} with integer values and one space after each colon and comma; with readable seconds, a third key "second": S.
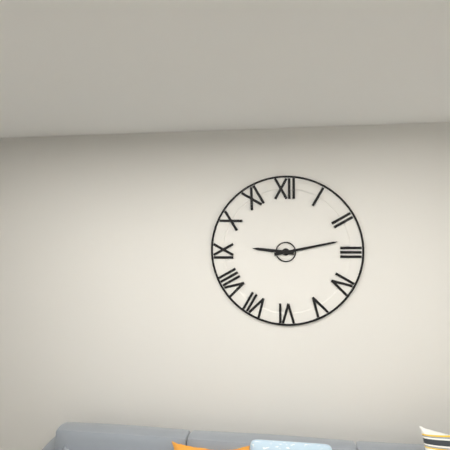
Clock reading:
{"hour": 9, "minute": 13}
